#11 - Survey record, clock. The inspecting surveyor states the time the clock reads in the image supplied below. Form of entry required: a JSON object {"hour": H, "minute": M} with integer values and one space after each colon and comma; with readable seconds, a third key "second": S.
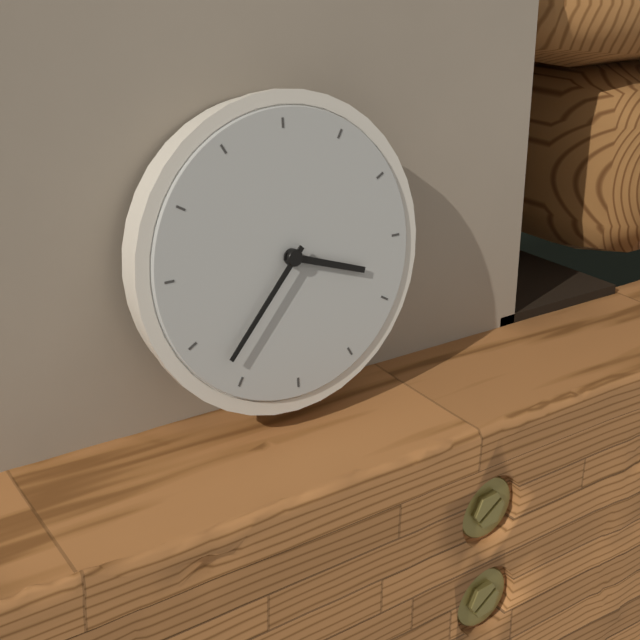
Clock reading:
{"hour": 3, "minute": 37}
